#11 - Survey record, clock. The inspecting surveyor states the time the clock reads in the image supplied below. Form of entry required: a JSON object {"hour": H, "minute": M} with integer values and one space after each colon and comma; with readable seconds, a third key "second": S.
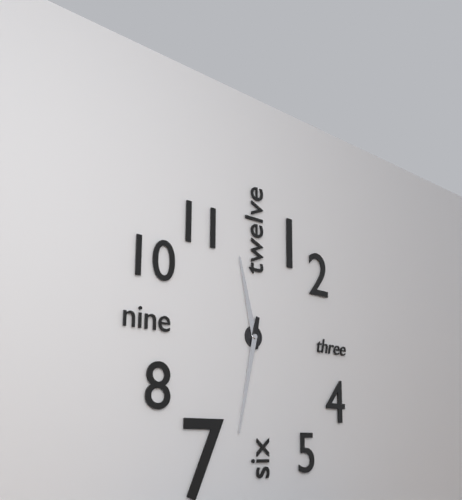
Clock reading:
{"hour": 11, "minute": 32}
